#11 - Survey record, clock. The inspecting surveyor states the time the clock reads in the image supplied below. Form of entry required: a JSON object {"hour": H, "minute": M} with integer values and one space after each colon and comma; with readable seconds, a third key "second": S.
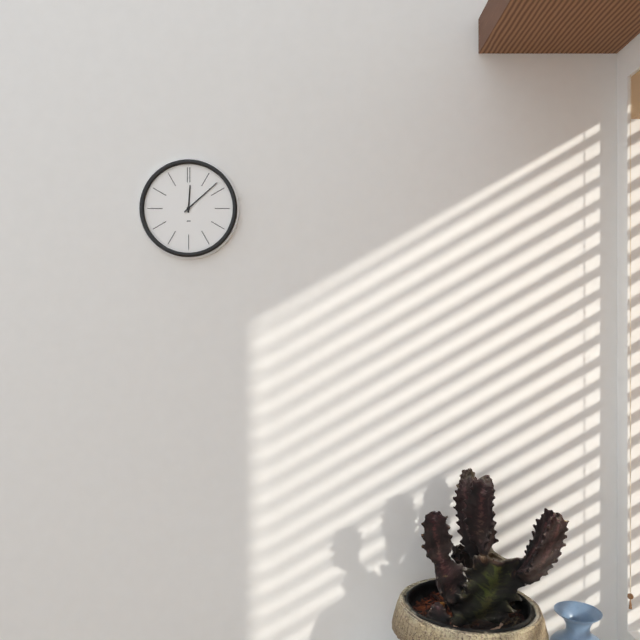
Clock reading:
{"hour": 12, "minute": 8}
